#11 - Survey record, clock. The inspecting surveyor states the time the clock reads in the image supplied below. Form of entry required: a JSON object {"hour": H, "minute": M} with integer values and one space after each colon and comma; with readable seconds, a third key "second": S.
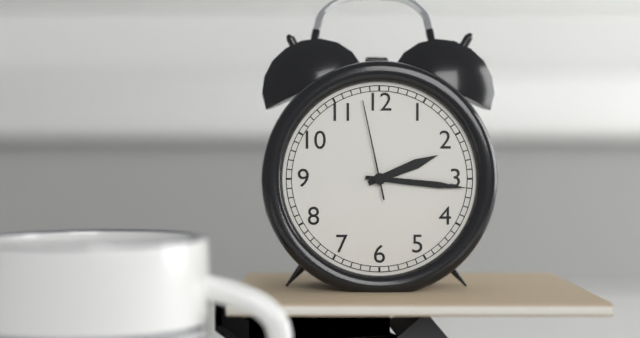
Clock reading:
{"hour": 2, "minute": 16, "second": 58}
